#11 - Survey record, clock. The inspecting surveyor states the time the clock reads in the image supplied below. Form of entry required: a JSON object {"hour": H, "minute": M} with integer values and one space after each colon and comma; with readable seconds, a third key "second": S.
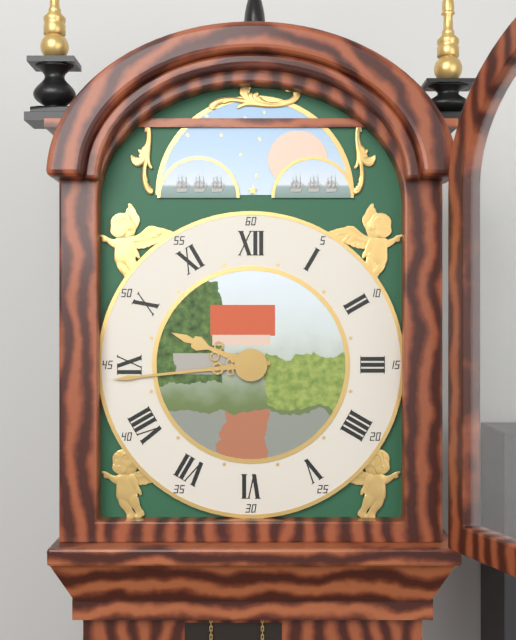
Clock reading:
{"hour": 9, "minute": 44}
